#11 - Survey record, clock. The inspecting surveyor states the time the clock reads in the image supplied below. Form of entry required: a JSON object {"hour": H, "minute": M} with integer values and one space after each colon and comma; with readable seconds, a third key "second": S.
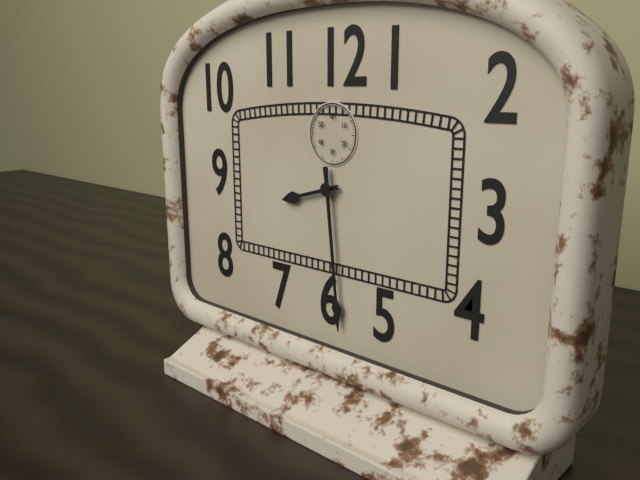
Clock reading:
{"hour": 8, "minute": 29}
